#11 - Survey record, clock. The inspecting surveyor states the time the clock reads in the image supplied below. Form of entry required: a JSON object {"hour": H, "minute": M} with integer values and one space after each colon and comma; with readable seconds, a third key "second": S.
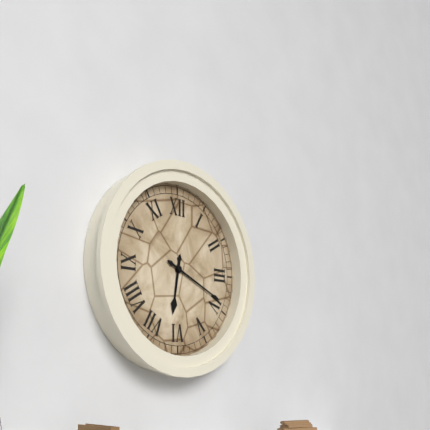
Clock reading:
{"hour": 6, "minute": 19}
